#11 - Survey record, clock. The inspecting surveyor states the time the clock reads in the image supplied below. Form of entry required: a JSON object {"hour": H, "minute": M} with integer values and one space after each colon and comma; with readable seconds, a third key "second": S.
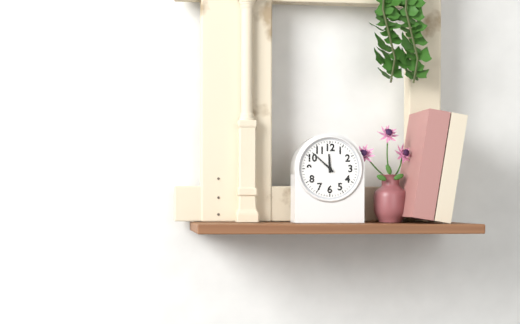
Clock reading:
{"hour": 11, "minute": 52}
